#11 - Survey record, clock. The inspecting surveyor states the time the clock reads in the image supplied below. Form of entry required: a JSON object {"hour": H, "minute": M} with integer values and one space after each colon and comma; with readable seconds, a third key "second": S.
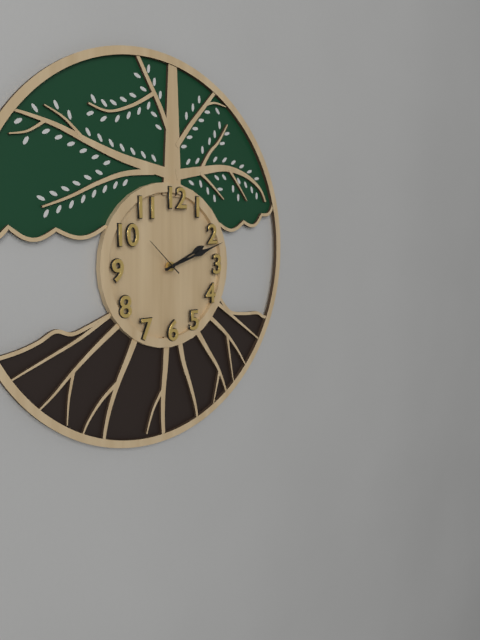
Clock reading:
{"hour": 2, "minute": 12}
